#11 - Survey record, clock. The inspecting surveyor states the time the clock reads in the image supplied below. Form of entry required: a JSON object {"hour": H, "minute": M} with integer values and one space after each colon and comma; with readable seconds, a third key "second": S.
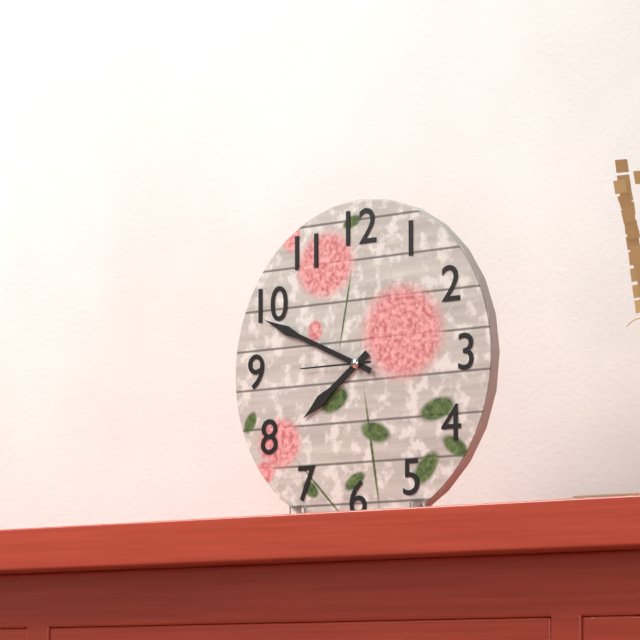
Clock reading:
{"hour": 7, "minute": 49, "second": 45}
